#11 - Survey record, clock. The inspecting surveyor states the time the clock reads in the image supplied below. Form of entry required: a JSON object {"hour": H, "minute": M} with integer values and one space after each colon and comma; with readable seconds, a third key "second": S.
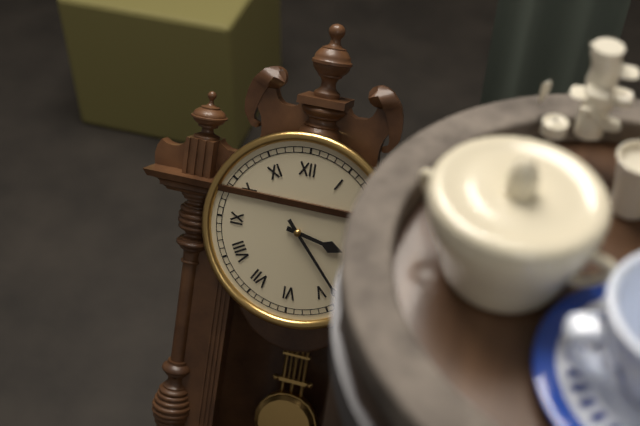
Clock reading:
{"hour": 3, "minute": 23}
